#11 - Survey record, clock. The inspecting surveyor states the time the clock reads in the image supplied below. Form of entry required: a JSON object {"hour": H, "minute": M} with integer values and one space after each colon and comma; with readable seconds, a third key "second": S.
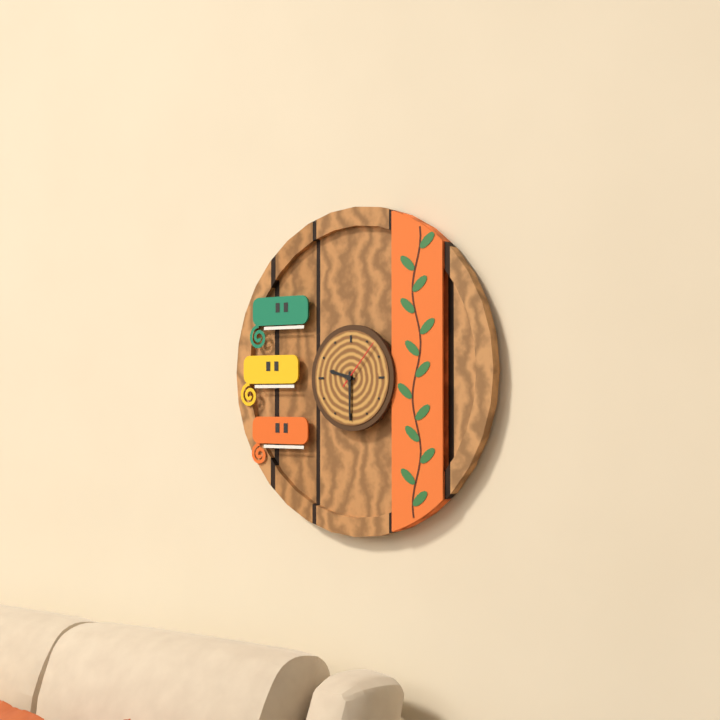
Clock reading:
{"hour": 9, "minute": 30, "second": 7}
